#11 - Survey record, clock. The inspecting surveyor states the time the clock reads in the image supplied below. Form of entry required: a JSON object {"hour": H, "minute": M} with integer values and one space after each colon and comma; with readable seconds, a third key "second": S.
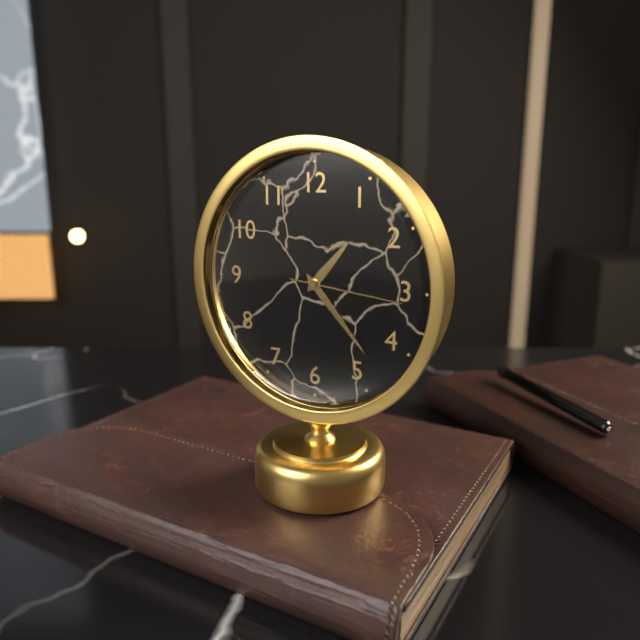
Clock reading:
{"hour": 1, "minute": 23, "second": 16}
